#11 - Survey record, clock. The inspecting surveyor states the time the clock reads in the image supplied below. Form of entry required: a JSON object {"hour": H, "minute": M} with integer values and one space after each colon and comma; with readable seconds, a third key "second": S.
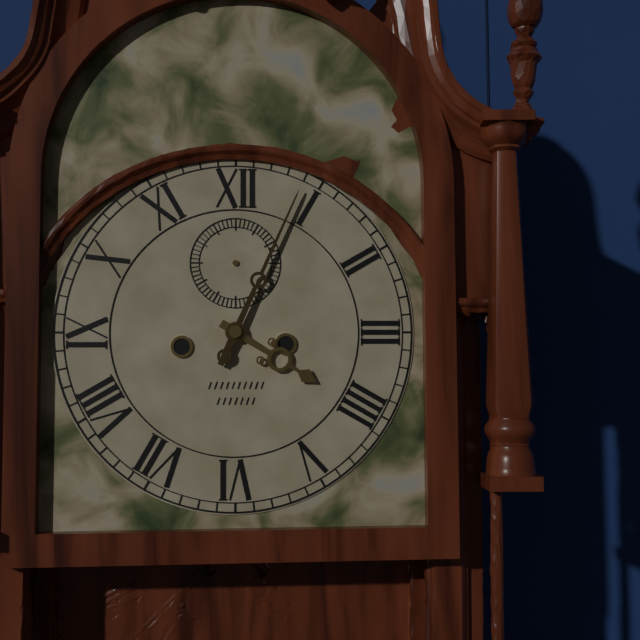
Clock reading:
{"hour": 4, "minute": 4}
